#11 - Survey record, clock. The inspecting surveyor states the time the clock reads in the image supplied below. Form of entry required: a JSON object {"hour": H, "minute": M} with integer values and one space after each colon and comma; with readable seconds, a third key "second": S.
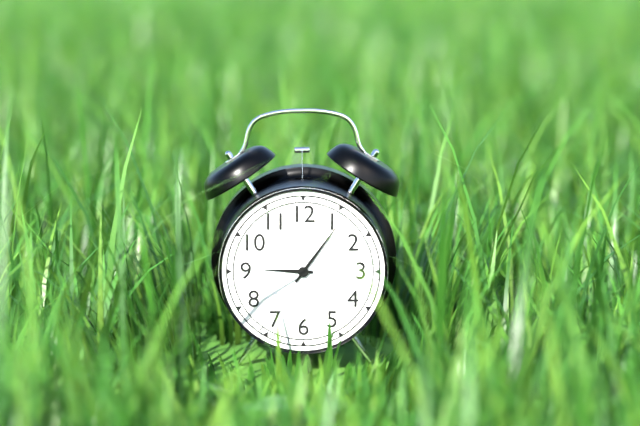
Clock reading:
{"hour": 9, "minute": 6}
